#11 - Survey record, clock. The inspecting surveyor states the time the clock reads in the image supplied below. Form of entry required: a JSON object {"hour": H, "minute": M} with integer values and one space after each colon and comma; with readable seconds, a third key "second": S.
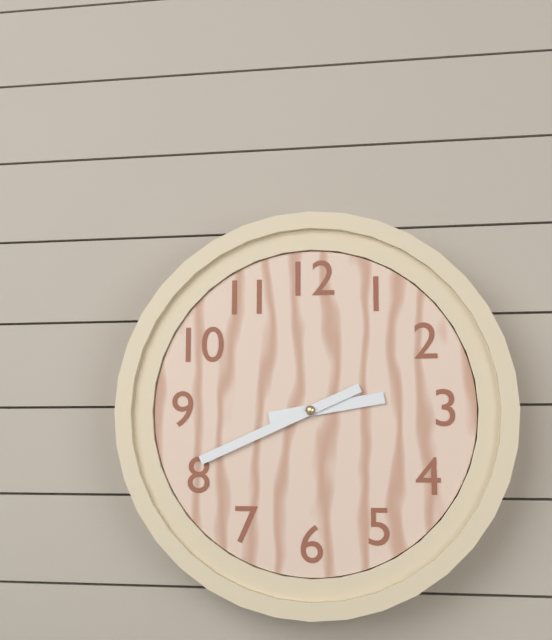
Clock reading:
{"hour": 2, "minute": 41}
